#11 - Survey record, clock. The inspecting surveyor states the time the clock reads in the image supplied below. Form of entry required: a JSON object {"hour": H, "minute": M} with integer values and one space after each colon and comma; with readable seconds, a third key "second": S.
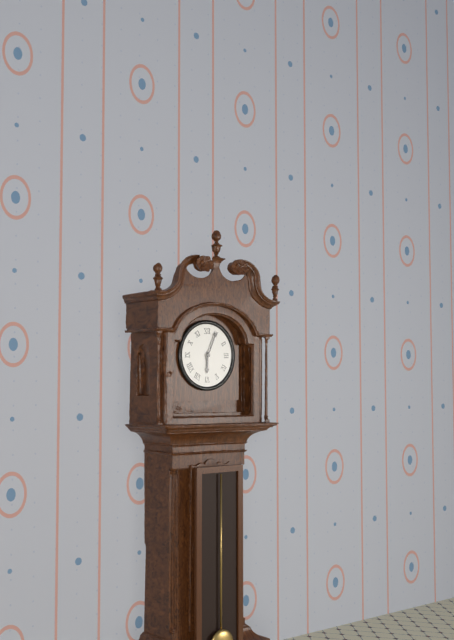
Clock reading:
{"hour": 6, "minute": 4}
